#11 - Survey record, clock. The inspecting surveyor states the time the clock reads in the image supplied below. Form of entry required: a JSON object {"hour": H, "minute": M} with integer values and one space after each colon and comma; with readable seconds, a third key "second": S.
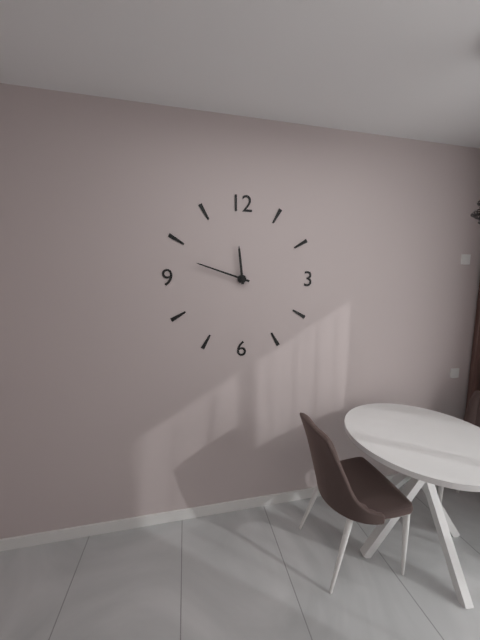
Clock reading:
{"hour": 11, "minute": 48}
